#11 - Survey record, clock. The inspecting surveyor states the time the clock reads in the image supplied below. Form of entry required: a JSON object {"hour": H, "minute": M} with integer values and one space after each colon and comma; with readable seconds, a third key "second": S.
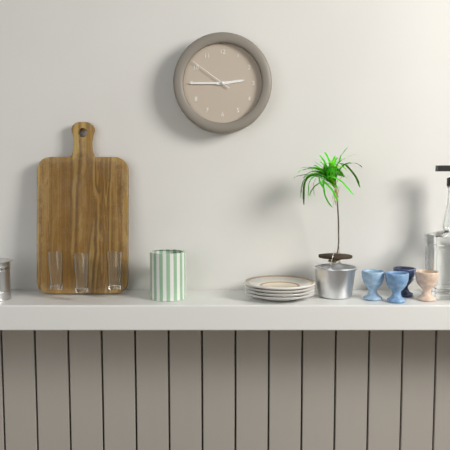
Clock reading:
{"hour": 2, "minute": 45}
